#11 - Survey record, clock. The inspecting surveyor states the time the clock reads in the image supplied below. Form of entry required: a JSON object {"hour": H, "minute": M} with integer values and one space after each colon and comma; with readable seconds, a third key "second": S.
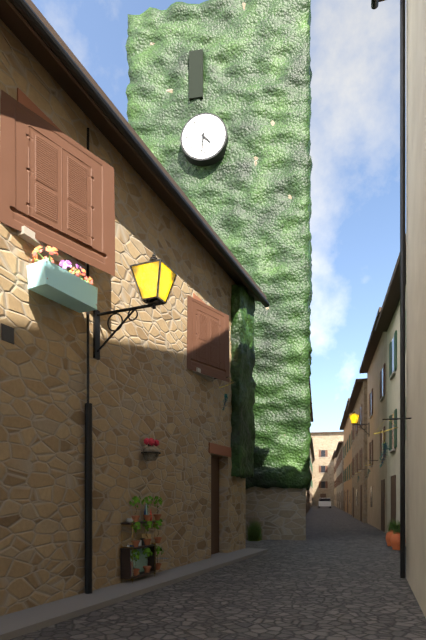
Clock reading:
{"hour": 4, "minute": 31}
